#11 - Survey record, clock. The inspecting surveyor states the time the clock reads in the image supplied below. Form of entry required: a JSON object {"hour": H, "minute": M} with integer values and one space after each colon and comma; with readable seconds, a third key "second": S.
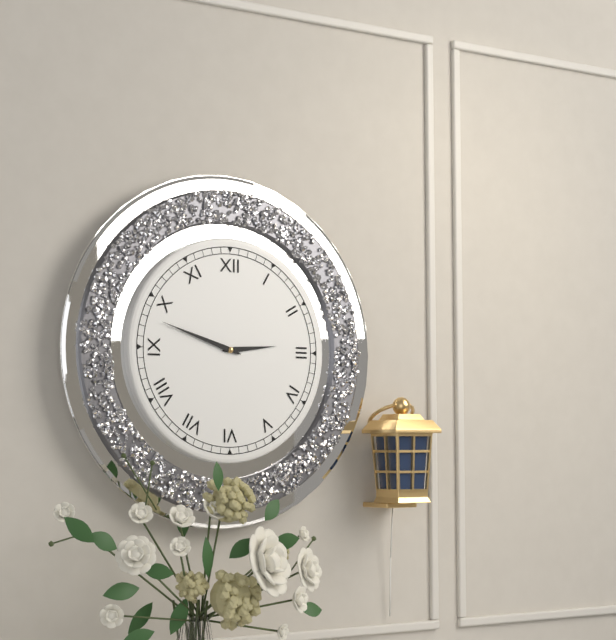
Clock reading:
{"hour": 2, "minute": 48}
